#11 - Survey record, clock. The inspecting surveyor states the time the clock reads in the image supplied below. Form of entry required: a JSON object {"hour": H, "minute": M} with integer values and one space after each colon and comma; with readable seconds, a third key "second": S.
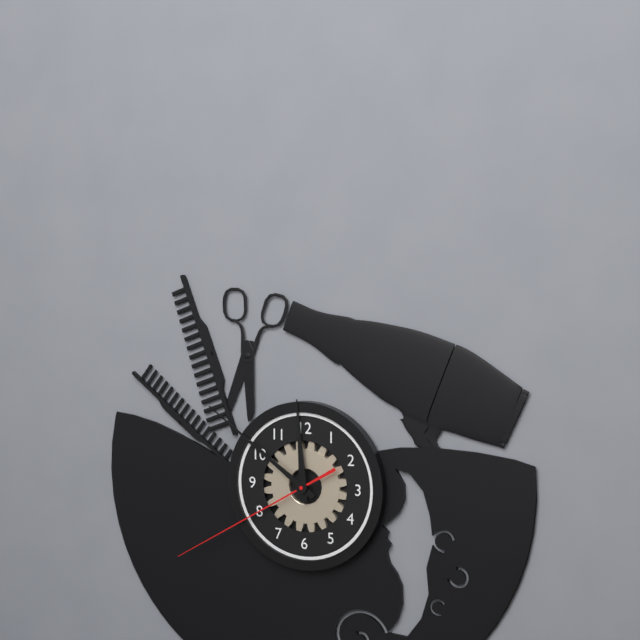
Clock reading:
{"hour": 11, "minute": 51, "second": 40}
